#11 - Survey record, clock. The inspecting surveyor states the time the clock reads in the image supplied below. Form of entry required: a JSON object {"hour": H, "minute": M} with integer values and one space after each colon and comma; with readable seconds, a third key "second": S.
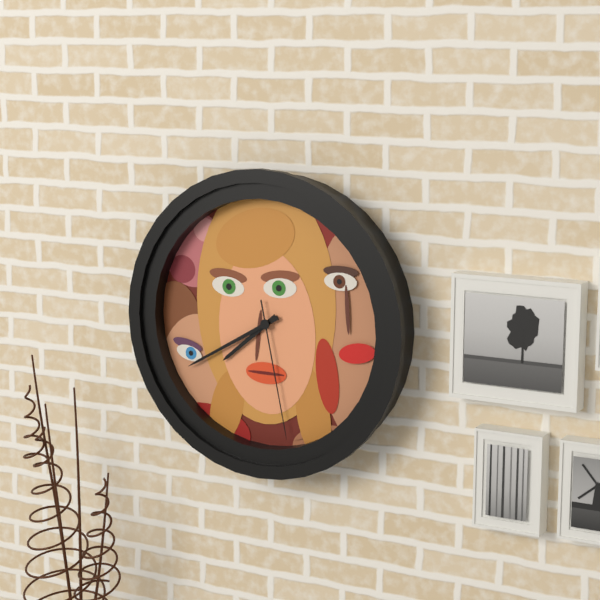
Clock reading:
{"hour": 7, "minute": 40, "second": 28}
